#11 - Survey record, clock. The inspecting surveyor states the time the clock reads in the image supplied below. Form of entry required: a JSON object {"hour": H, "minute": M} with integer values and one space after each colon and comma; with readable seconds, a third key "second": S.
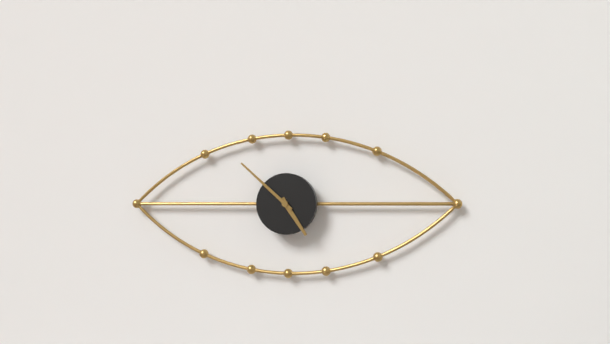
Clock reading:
{"hour": 4, "minute": 52}
